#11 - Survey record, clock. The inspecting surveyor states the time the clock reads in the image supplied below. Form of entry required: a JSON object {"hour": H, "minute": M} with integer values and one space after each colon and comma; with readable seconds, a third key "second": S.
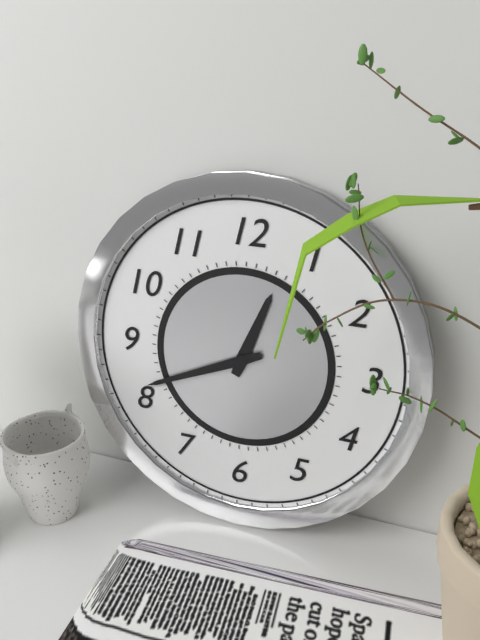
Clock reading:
{"hour": 12, "minute": 41}
